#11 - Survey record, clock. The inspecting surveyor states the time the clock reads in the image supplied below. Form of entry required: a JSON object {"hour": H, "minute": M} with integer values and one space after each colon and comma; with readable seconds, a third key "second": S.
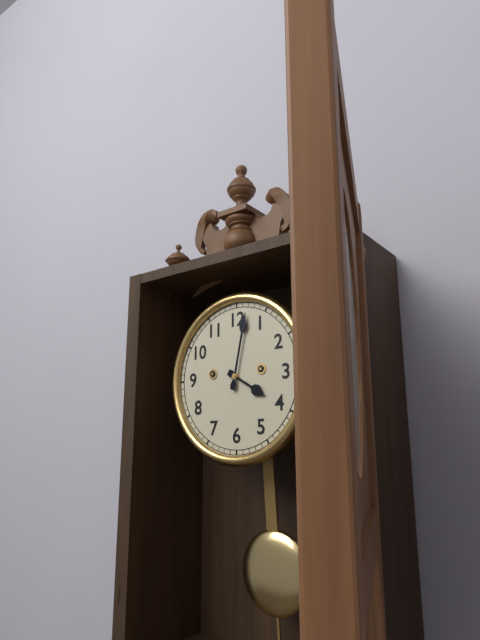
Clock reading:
{"hour": 4, "minute": 2}
